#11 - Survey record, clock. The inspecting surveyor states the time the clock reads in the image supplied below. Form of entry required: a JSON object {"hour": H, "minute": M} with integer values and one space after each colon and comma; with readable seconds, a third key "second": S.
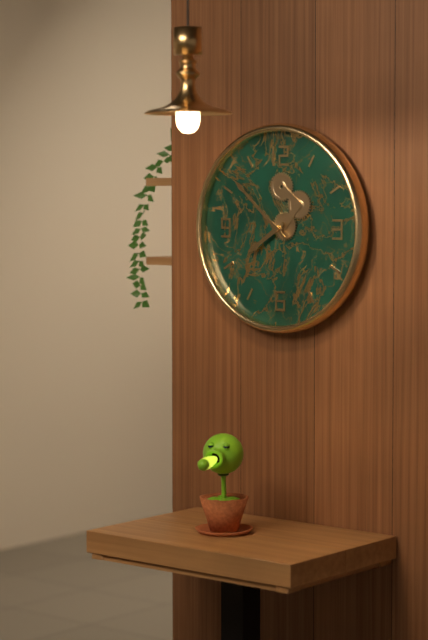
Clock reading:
{"hour": 7, "minute": 52}
